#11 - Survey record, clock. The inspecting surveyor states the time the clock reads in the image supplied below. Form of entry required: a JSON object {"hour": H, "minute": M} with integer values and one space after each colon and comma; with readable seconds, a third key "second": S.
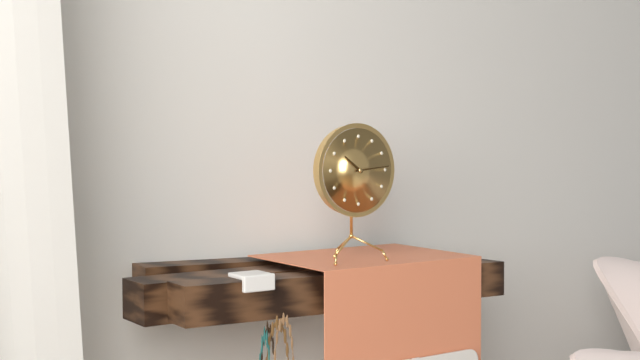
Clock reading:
{"hour": 10, "minute": 14}
